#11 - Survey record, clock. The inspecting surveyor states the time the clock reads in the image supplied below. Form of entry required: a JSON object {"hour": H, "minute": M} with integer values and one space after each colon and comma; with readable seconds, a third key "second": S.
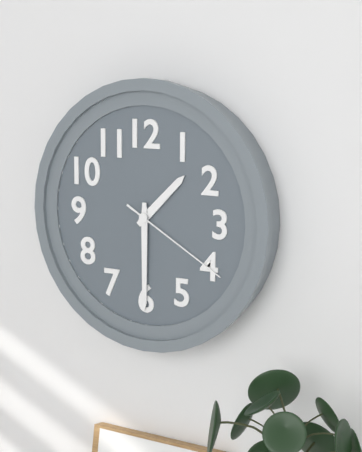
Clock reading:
{"hour": 1, "minute": 30, "second": 20}
